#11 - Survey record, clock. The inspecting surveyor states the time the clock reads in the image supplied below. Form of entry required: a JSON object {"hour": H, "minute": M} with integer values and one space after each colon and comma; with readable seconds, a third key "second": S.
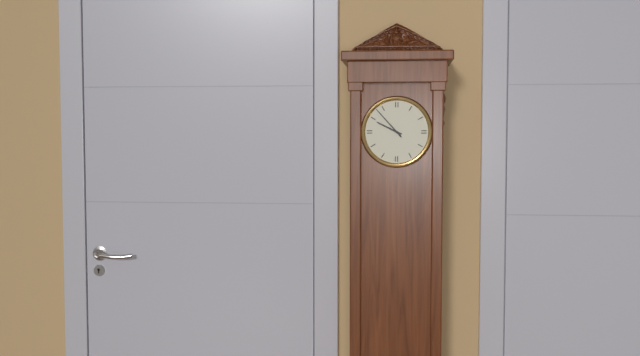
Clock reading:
{"hour": 9, "minute": 53}
